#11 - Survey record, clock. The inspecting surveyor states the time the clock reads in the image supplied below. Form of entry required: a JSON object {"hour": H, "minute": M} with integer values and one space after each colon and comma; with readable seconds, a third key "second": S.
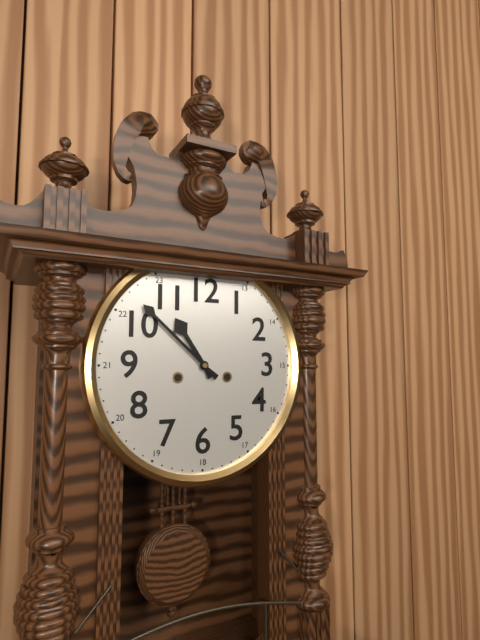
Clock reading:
{"hour": 10, "minute": 52}
